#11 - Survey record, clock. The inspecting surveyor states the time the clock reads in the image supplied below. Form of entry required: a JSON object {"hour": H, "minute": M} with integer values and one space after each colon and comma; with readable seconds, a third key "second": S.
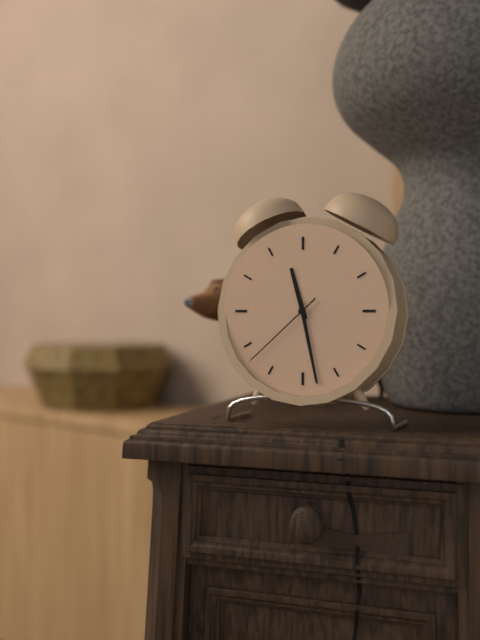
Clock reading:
{"hour": 11, "minute": 28, "second": 38}
